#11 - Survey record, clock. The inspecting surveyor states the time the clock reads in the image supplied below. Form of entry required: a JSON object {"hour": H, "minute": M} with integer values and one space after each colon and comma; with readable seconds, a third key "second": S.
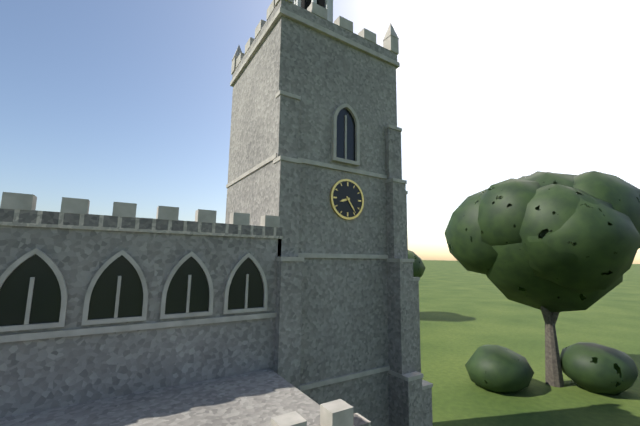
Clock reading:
{"hour": 8, "minute": 24}
